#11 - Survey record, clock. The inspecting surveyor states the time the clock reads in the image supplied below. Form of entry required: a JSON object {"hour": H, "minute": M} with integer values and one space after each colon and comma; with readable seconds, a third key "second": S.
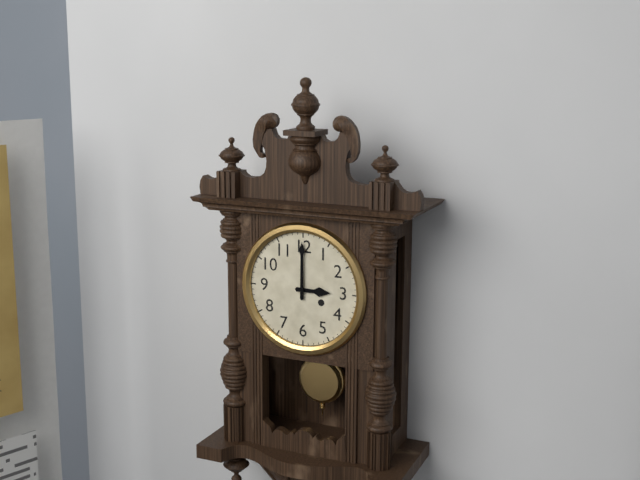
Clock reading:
{"hour": 3, "minute": 0}
